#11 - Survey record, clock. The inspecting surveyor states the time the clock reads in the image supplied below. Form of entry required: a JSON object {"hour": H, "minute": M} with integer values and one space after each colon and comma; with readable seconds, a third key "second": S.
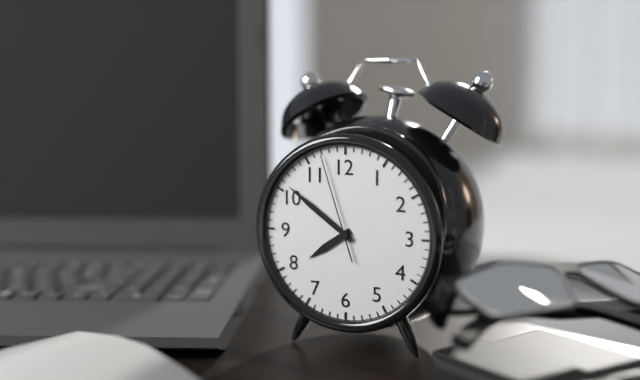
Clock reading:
{"hour": 7, "minute": 51, "second": 57}
